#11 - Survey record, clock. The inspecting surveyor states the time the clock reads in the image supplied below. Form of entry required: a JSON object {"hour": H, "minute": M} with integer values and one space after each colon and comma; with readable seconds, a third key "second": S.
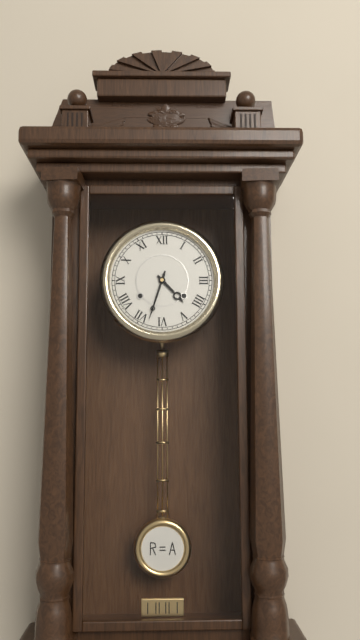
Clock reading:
{"hour": 4, "minute": 33}
